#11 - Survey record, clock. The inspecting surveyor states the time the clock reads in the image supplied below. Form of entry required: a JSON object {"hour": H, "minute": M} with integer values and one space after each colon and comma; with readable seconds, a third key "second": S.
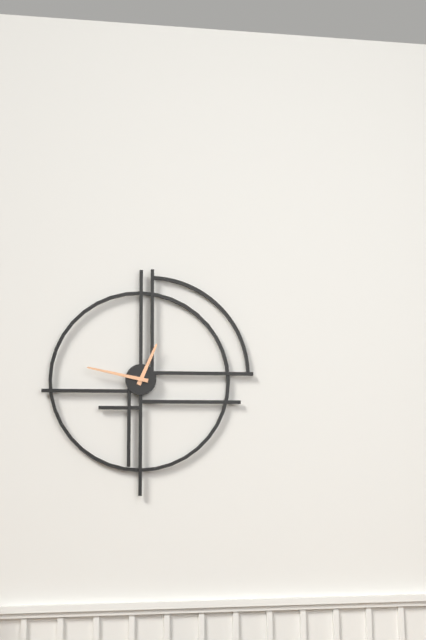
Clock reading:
{"hour": 12, "minute": 47}
